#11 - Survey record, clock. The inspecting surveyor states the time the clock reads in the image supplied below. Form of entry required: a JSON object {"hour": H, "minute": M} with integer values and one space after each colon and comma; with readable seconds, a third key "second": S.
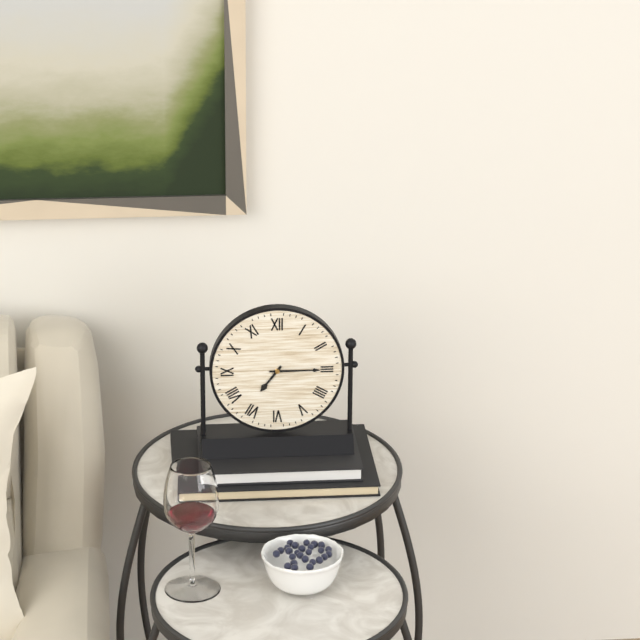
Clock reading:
{"hour": 7, "minute": 15}
